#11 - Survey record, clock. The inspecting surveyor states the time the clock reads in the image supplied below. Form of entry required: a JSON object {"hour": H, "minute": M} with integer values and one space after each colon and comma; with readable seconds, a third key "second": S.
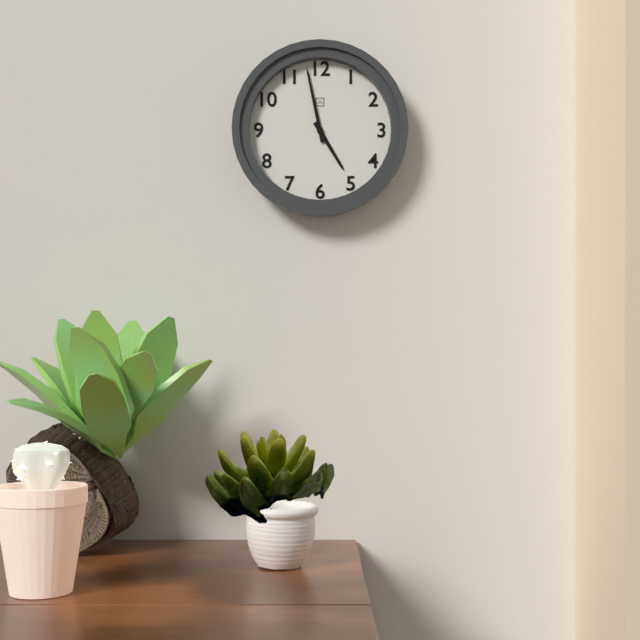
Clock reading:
{"hour": 4, "minute": 58}
